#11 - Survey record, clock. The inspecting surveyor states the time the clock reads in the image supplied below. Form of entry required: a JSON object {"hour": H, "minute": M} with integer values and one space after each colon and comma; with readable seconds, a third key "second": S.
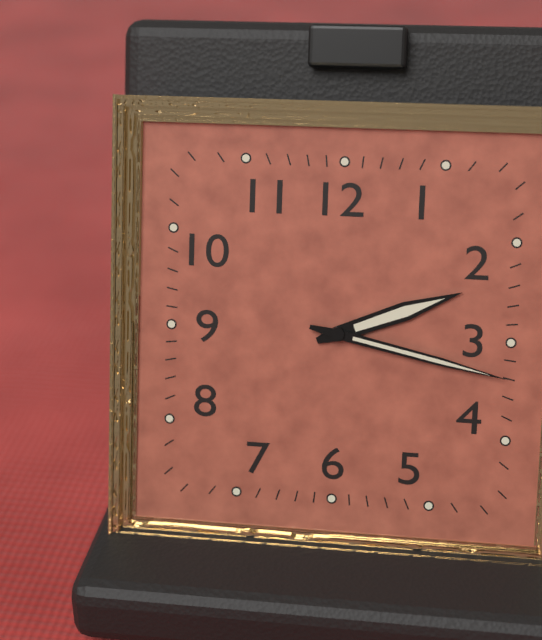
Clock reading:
{"hour": 2, "minute": 17}
